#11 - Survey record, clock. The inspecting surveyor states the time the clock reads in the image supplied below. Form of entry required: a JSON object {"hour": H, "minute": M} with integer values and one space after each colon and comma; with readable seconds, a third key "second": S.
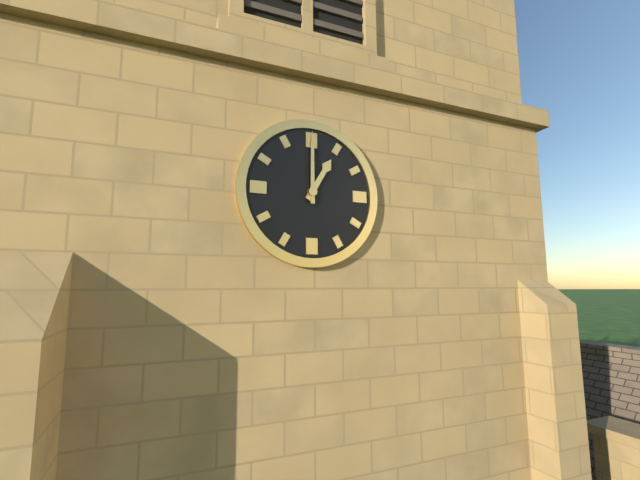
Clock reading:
{"hour": 1, "minute": 0}
